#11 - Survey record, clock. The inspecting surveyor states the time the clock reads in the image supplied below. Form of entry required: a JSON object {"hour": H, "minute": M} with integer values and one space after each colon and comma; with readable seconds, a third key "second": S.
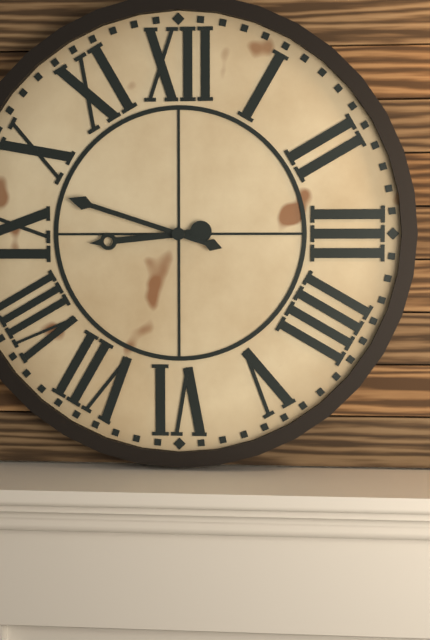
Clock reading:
{"hour": 8, "minute": 48}
